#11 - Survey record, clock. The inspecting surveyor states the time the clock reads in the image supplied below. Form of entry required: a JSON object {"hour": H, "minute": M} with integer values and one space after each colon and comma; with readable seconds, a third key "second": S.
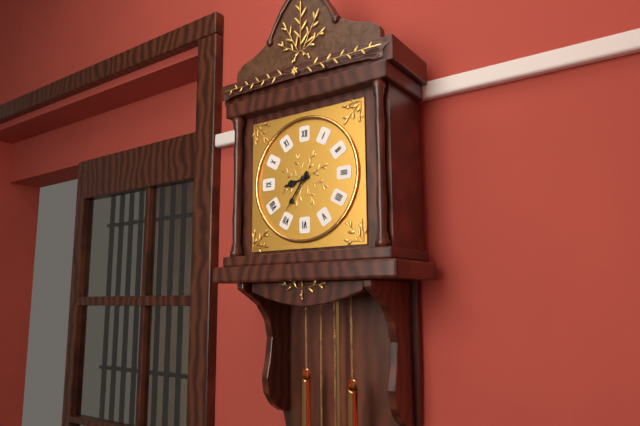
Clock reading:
{"hour": 8, "minute": 36}
